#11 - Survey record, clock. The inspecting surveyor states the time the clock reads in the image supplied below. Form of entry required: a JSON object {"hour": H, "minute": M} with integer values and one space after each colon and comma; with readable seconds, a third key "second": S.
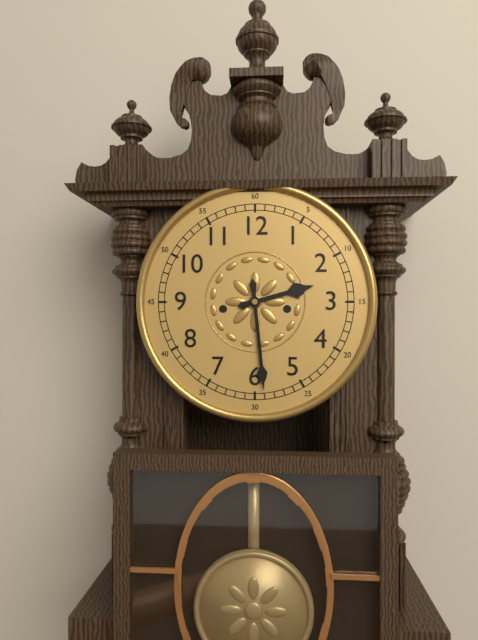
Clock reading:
{"hour": 2, "minute": 29}
